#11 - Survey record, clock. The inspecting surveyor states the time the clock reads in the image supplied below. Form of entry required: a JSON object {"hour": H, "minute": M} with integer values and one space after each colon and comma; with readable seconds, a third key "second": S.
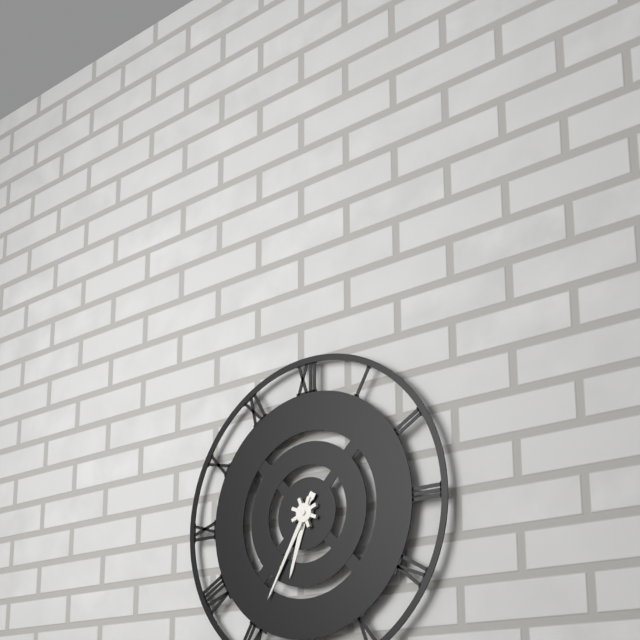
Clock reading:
{"hour": 6, "minute": 35}
